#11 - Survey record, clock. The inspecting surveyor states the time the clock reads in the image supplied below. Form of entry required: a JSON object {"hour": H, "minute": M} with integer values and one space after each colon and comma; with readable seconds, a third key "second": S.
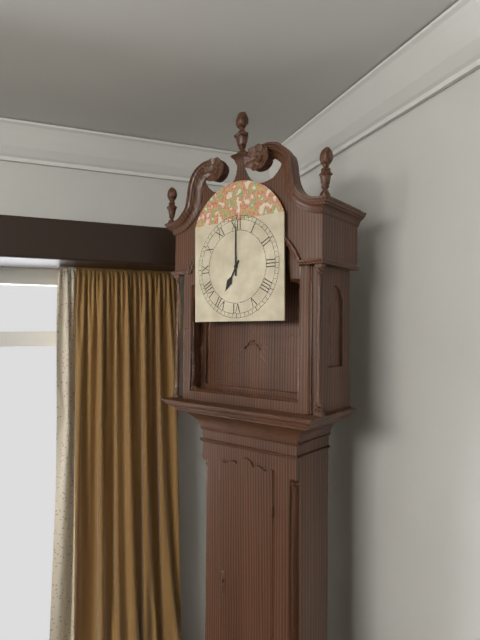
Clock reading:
{"hour": 7, "minute": 0}
